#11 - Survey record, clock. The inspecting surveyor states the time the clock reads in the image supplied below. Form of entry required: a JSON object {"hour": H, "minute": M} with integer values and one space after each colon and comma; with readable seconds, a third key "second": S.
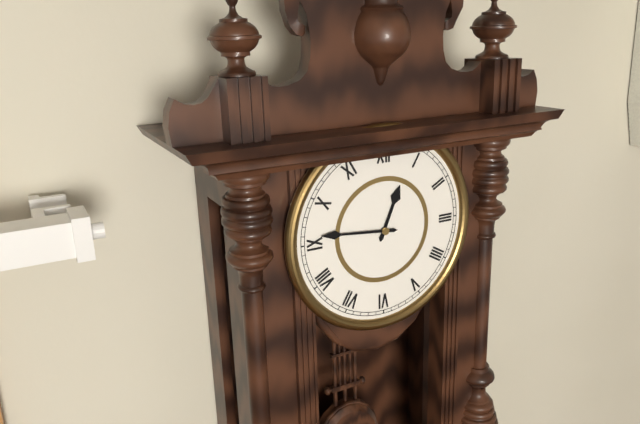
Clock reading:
{"hour": 12, "minute": 46}
